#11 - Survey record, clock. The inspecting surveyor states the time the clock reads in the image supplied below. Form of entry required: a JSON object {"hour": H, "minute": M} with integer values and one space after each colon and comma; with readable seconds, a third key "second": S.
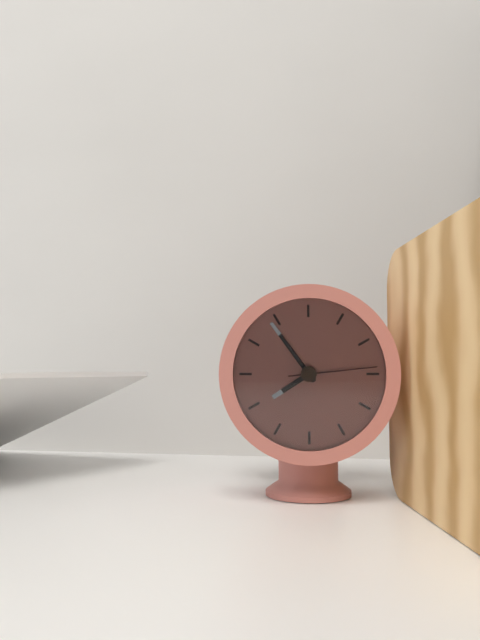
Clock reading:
{"hour": 7, "minute": 54, "second": 14}
